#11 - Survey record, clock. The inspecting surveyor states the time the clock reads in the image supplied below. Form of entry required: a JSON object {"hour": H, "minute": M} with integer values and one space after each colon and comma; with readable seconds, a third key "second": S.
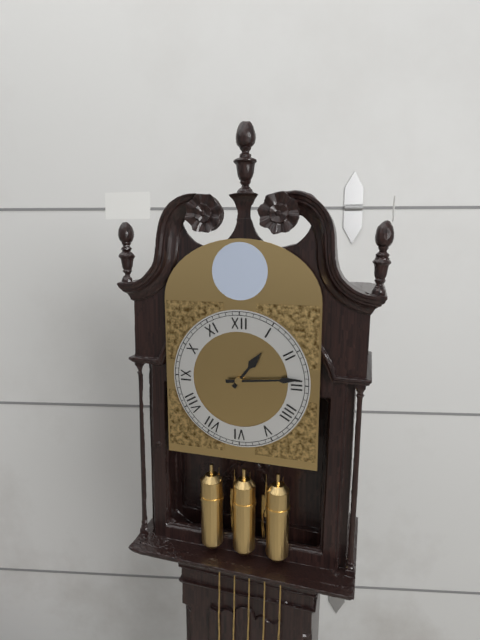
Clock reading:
{"hour": 1, "minute": 14}
